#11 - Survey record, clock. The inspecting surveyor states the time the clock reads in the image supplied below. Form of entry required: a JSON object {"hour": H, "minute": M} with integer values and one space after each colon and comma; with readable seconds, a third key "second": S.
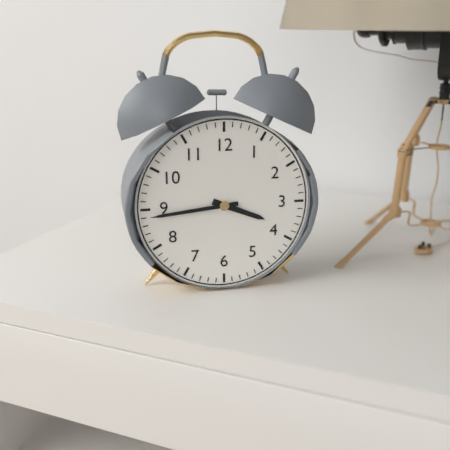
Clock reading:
{"hour": 3, "minute": 44}
